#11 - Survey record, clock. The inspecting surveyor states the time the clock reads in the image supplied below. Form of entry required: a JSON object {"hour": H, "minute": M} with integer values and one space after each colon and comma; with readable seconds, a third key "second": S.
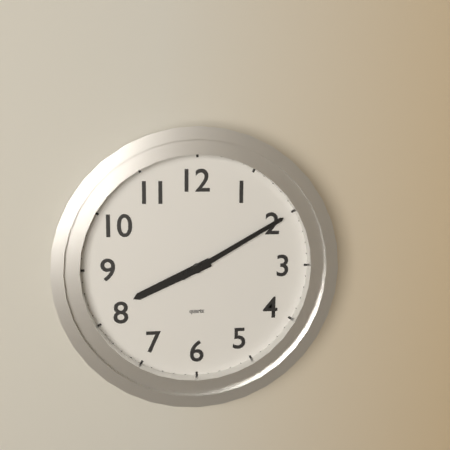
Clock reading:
{"hour": 8, "minute": 10}
